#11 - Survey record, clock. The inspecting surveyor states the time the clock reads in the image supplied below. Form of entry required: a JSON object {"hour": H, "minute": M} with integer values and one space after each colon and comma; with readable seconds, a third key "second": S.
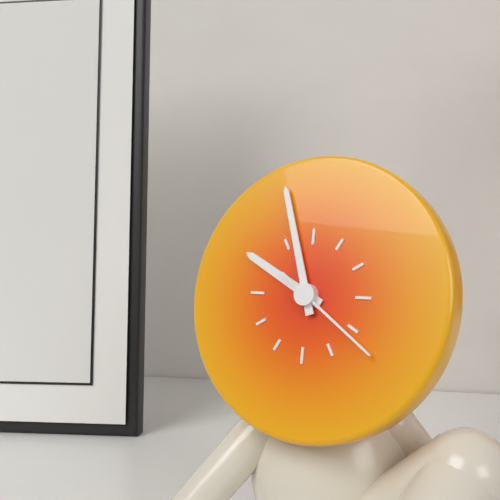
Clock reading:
{"hour": 9, "minute": 57, "second": 21}
